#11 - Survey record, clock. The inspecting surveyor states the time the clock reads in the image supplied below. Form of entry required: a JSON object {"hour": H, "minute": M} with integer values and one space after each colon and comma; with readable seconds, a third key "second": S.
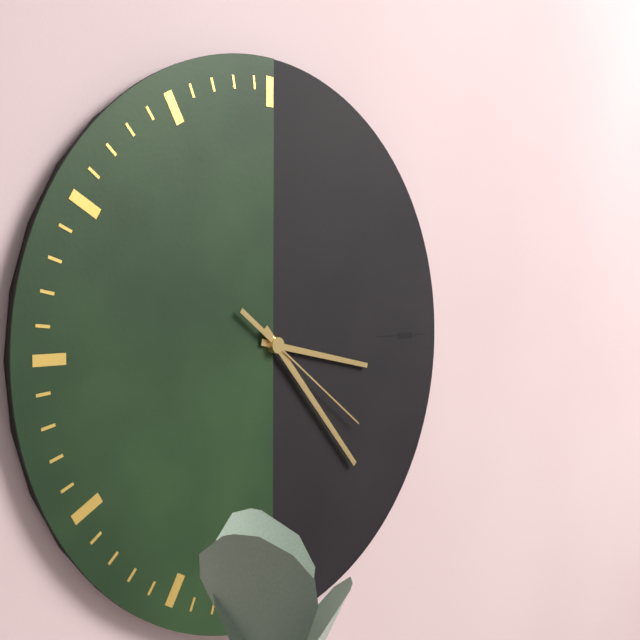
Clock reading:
{"hour": 3, "minute": 23, "second": 21}
